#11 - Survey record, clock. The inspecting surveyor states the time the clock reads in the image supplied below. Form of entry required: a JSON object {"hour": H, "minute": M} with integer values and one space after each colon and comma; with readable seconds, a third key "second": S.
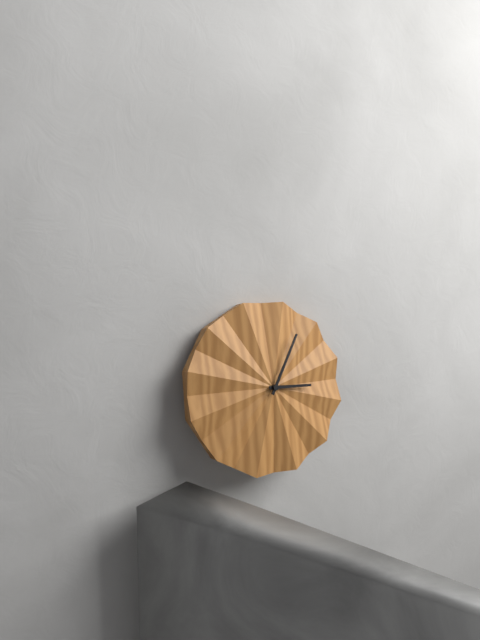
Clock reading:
{"hour": 3, "minute": 5}
